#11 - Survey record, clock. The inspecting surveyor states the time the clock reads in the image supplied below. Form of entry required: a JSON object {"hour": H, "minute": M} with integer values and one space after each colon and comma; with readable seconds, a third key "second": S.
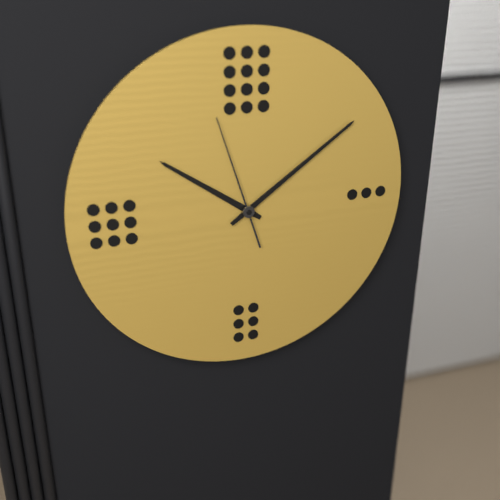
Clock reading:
{"hour": 10, "minute": 9, "second": 57}
